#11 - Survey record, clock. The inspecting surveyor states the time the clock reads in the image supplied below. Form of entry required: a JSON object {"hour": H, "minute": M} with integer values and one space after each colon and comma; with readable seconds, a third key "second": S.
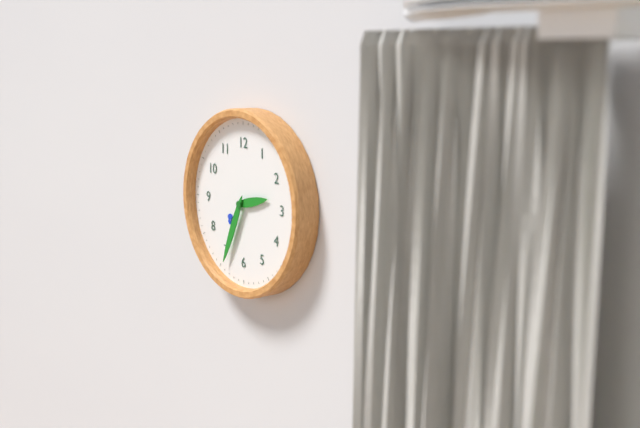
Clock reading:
{"hour": 2, "minute": 34}
